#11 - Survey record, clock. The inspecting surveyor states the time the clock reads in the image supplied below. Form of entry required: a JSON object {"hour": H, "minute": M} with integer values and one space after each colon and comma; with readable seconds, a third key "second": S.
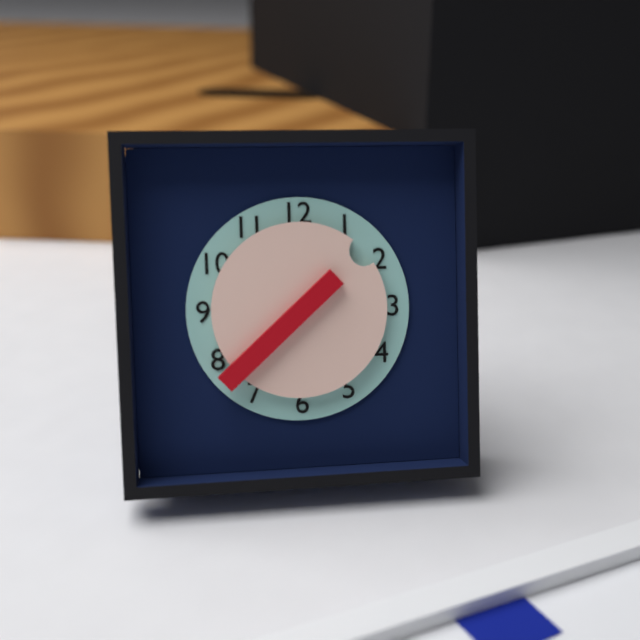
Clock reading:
{"hour": 1, "minute": 38}
